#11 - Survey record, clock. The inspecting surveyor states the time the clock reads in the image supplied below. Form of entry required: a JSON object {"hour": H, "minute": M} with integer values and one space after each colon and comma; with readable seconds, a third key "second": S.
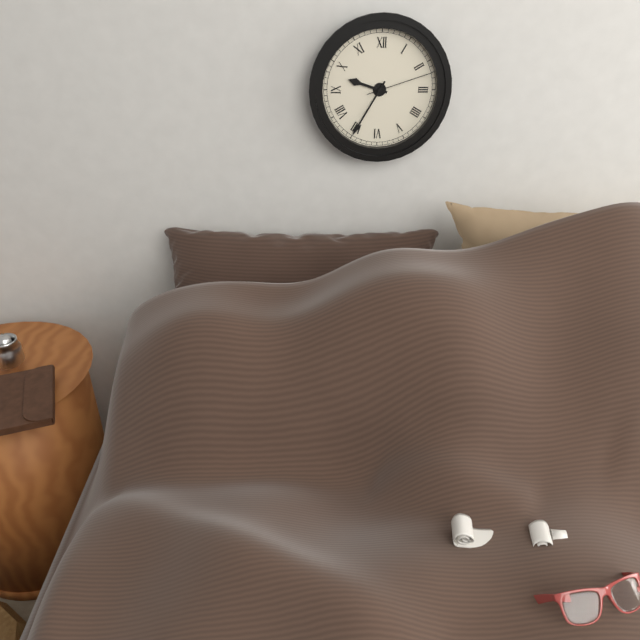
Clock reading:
{"hour": 9, "minute": 35, "second": 12}
